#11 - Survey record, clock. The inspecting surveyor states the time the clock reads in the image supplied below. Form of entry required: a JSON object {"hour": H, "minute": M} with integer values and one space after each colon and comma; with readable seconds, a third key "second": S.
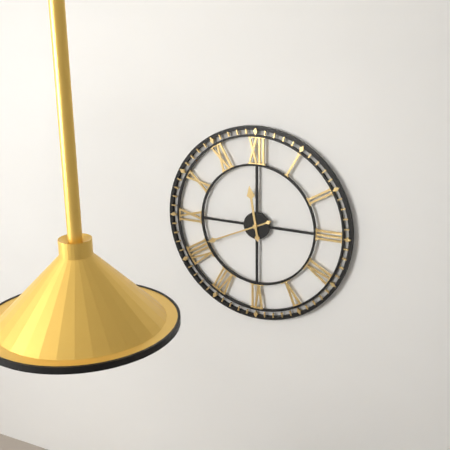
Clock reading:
{"hour": 11, "minute": 41}
